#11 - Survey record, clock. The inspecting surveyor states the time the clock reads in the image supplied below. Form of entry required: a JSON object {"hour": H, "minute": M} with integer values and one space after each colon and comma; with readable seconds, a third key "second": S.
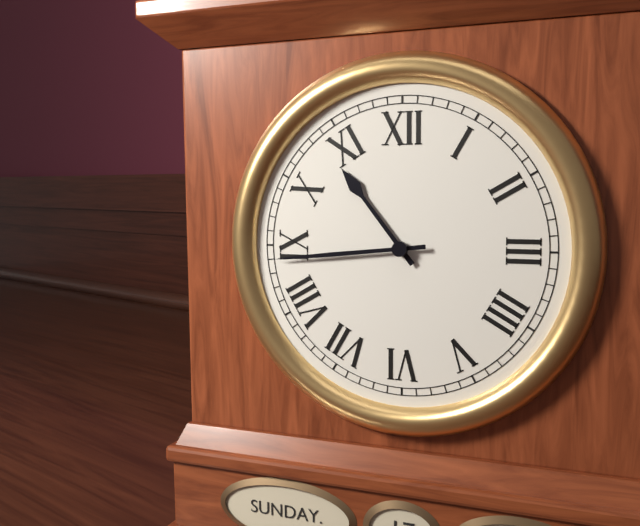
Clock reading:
{"hour": 10, "minute": 44}
